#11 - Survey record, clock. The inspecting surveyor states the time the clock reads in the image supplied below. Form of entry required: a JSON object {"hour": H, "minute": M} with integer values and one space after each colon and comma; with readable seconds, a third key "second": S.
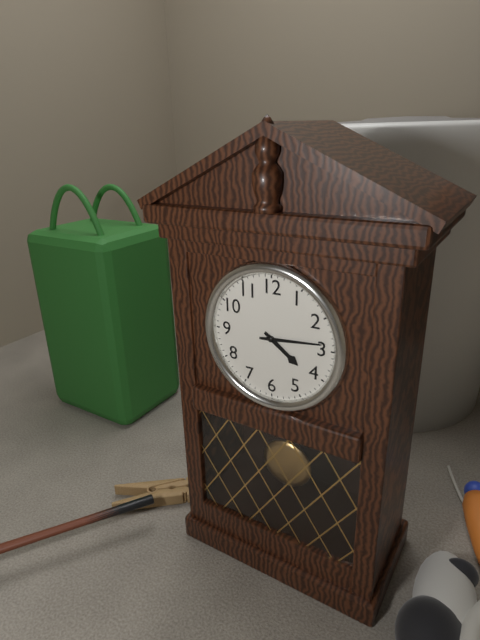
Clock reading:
{"hour": 4, "minute": 14}
